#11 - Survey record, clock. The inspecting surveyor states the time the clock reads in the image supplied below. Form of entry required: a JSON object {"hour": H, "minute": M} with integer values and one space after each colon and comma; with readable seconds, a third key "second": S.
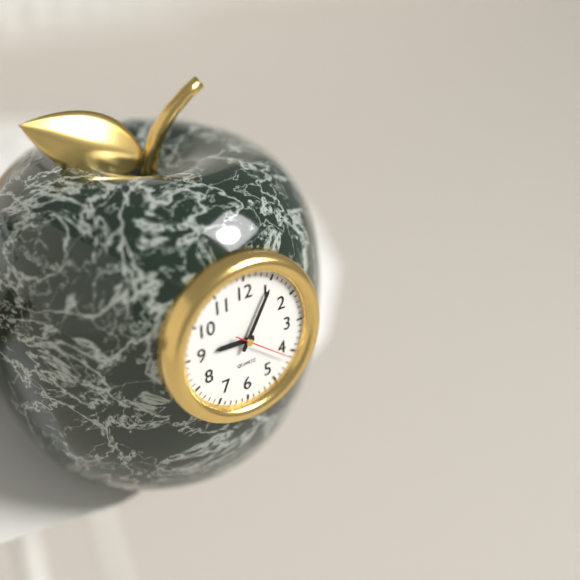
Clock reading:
{"hour": 9, "minute": 5, "second": 21}
